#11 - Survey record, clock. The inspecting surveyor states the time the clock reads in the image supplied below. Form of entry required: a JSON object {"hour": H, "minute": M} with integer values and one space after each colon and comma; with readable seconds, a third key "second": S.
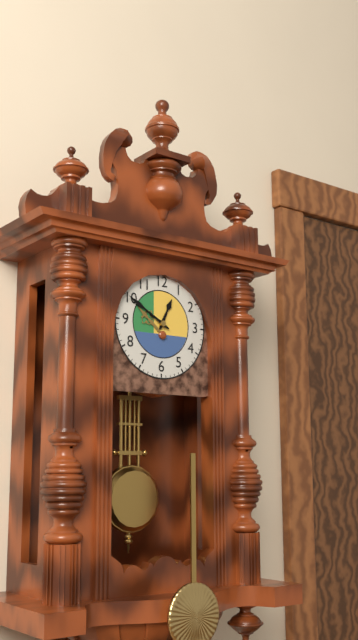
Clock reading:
{"hour": 12, "minute": 50}
